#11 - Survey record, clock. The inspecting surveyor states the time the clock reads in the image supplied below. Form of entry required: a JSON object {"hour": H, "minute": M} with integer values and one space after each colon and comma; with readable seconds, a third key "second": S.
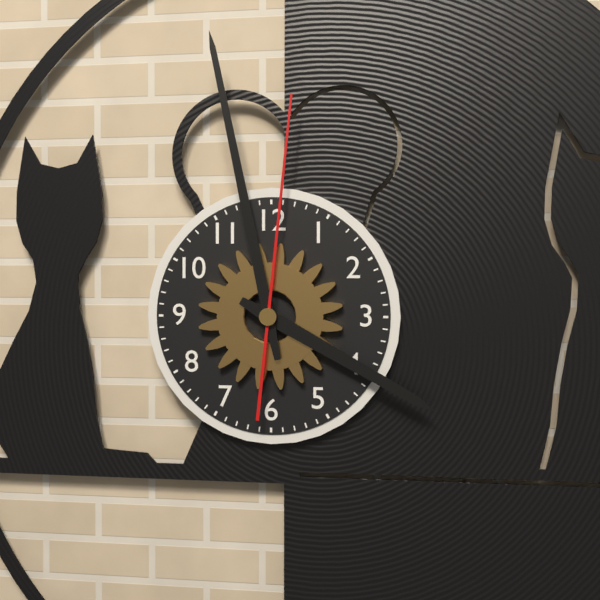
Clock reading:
{"hour": 3, "minute": 58, "second": 1}
